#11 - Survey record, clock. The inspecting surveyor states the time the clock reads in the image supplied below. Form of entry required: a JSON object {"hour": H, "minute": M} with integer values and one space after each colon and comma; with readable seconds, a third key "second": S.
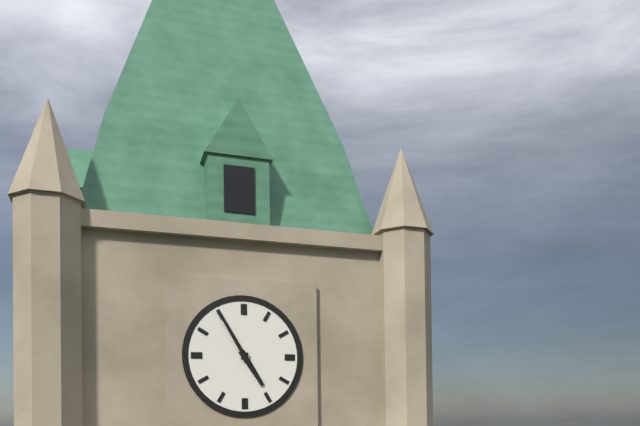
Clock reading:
{"hour": 4, "minute": 55}
